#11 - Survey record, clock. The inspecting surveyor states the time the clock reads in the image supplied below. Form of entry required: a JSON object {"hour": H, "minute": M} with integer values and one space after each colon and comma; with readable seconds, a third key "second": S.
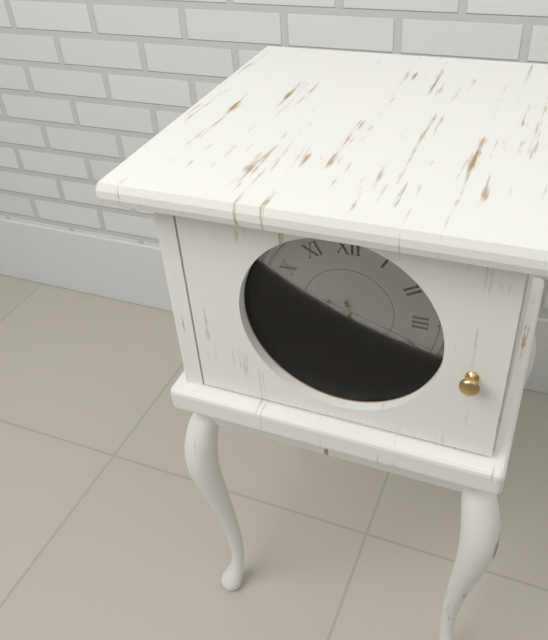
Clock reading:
{"hour": 5, "minute": 29, "second": 18}
